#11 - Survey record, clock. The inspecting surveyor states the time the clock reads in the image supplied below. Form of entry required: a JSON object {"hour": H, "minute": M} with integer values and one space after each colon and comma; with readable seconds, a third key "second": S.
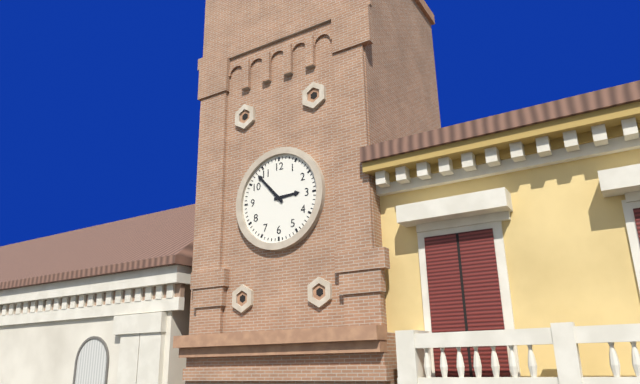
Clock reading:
{"hour": 2, "minute": 53}
